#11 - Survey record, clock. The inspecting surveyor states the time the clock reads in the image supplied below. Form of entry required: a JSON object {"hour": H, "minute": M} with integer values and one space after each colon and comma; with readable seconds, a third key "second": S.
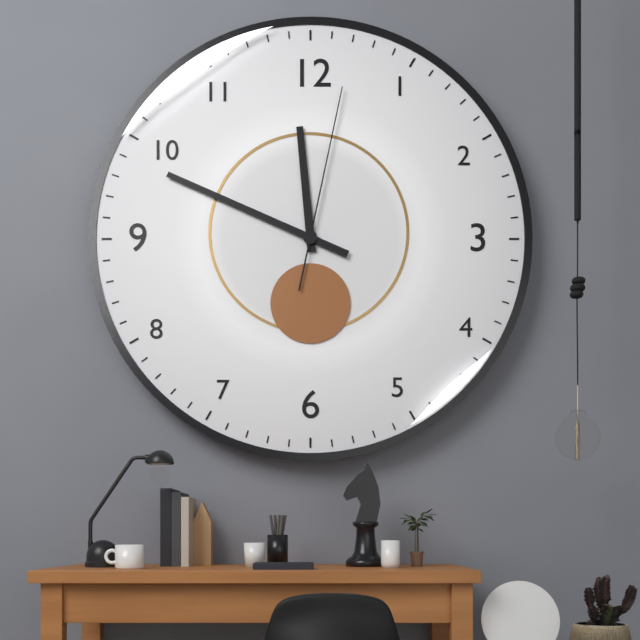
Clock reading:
{"hour": 11, "minute": 49, "second": 2}
